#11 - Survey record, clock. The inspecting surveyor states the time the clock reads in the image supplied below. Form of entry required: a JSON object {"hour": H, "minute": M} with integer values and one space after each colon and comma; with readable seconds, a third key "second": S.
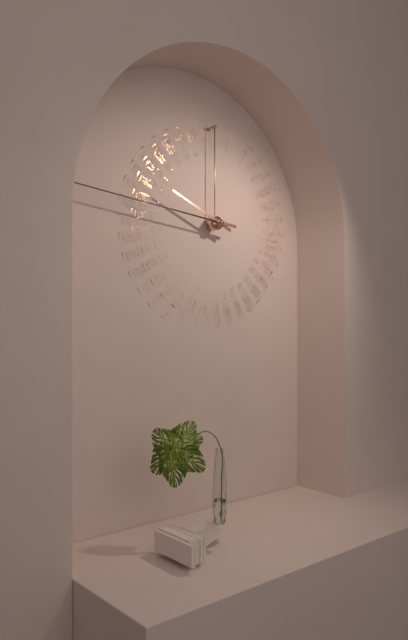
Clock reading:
{"hour": 9, "minute": 46}
